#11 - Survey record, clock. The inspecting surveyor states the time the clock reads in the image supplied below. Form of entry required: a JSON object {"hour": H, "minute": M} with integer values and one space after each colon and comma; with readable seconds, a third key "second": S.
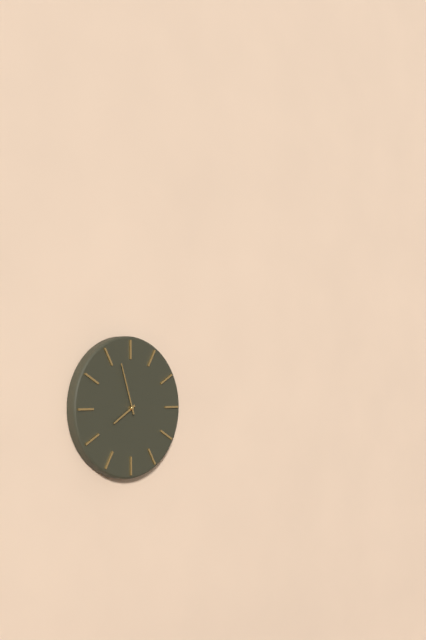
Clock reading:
{"hour": 7, "minute": 57}
